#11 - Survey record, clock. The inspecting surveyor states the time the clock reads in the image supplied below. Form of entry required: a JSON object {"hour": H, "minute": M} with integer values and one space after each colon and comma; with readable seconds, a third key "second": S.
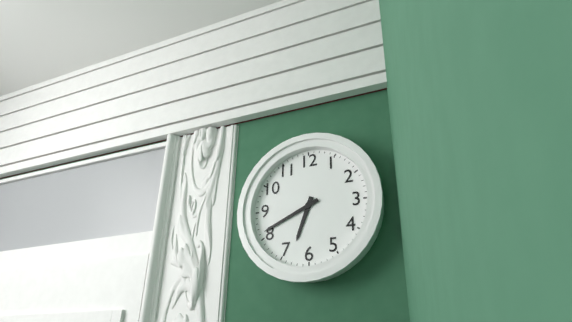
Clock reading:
{"hour": 6, "minute": 41}
